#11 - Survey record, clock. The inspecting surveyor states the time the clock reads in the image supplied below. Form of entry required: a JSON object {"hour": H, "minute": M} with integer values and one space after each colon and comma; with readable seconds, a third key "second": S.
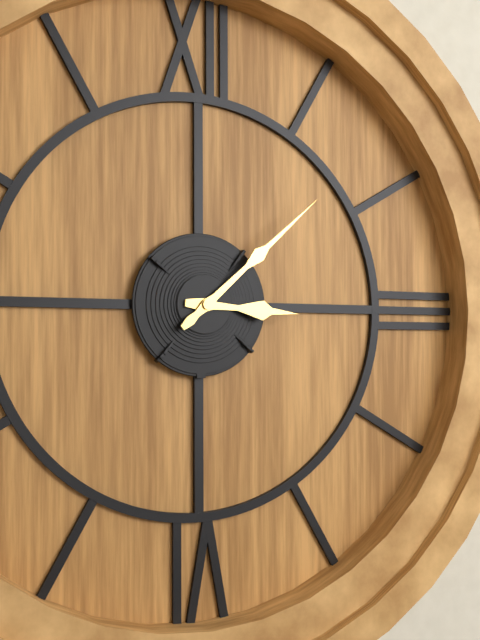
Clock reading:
{"hour": 3, "minute": 8}
